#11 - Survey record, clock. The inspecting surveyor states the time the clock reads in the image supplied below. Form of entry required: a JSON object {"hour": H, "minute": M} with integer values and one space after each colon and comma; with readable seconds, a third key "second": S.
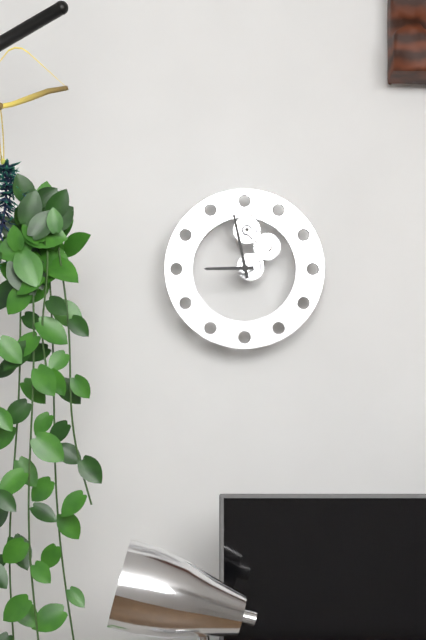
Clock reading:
{"hour": 8, "minute": 58}
